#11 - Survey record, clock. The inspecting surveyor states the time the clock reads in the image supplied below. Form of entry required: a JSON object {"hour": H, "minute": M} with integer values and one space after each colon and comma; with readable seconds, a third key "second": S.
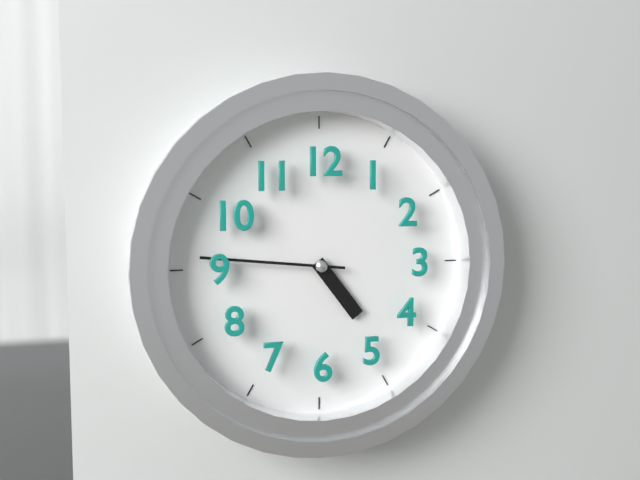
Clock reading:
{"hour": 4, "minute": 46}
